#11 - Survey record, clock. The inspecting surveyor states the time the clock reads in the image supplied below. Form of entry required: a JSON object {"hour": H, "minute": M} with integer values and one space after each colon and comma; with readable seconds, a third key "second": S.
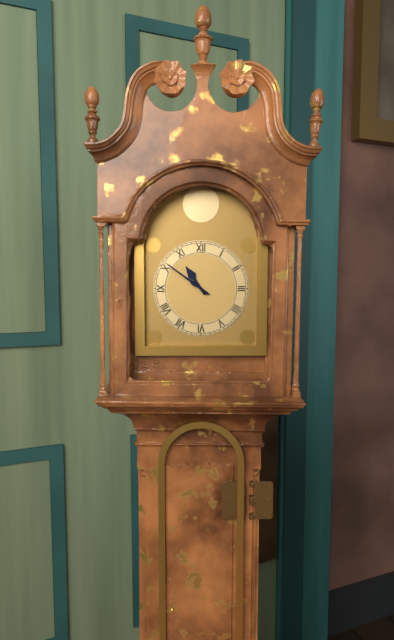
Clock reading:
{"hour": 10, "minute": 51}
